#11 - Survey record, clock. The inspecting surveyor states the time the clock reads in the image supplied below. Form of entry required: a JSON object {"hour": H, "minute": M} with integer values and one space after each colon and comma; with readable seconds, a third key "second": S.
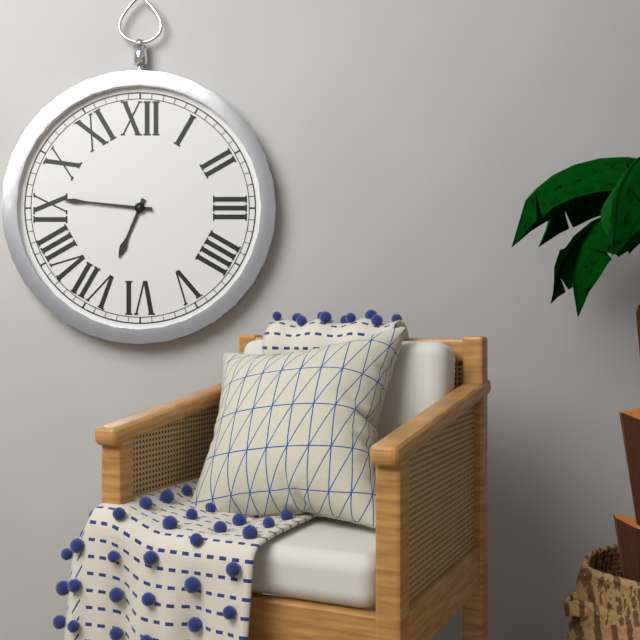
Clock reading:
{"hour": 6, "minute": 46}
